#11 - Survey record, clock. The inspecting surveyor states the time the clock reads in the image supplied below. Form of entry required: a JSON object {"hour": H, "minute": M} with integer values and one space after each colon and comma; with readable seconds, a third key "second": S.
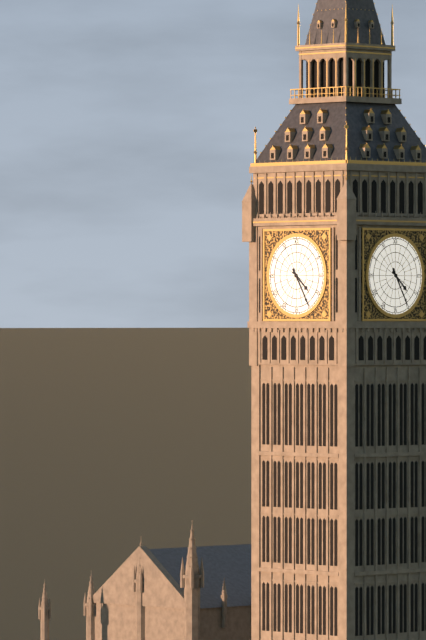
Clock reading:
{"hour": 4, "minute": 25}
